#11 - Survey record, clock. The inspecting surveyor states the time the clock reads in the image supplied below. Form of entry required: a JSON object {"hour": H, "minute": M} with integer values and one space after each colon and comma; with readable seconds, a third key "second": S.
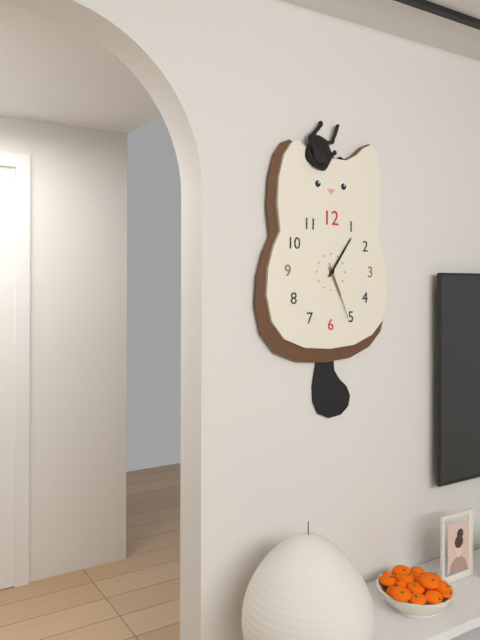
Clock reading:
{"hour": 5, "minute": 6, "second": 26}
